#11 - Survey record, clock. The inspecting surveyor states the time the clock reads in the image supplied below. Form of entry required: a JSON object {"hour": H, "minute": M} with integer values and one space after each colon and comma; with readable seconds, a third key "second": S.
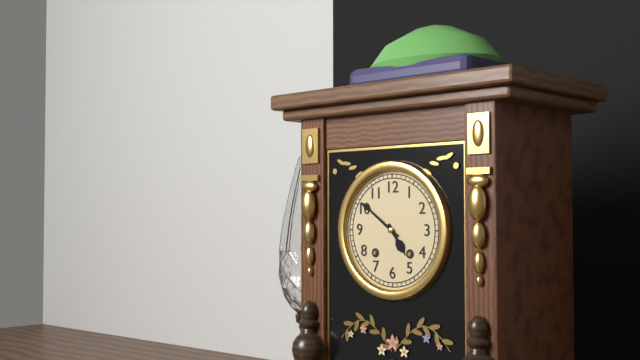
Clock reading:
{"hour": 4, "minute": 51}
